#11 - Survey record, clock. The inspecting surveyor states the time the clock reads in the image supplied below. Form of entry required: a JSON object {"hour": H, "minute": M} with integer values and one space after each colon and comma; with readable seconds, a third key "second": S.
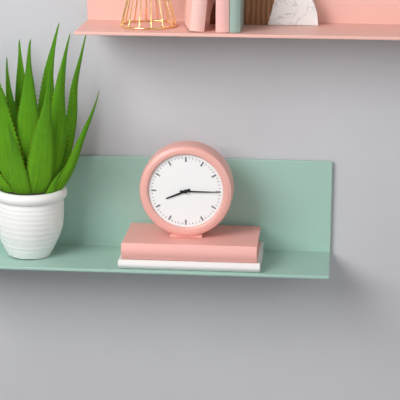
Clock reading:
{"hour": 8, "minute": 15}
